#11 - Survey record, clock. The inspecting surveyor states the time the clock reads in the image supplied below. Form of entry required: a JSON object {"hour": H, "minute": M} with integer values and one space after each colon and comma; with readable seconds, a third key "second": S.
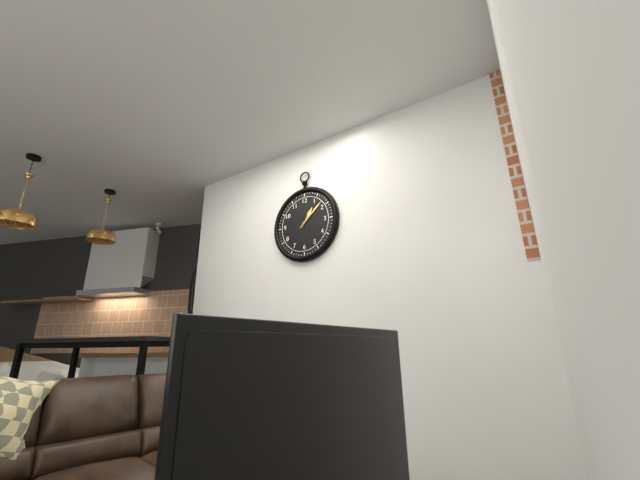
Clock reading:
{"hour": 1, "minute": 8}
